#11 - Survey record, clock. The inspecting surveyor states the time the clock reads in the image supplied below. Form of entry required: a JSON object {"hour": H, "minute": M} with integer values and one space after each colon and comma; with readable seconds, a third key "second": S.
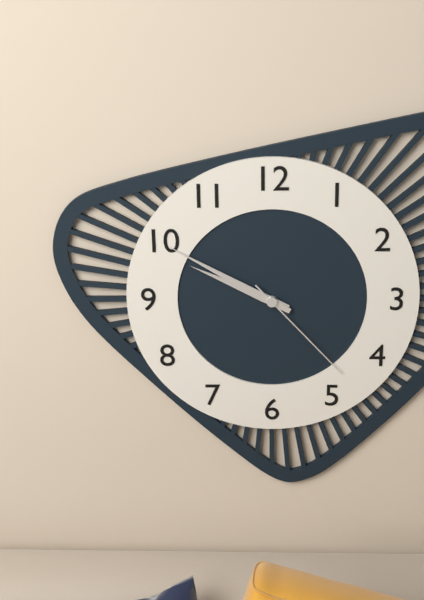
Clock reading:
{"hour": 9, "minute": 50, "second": 23}
